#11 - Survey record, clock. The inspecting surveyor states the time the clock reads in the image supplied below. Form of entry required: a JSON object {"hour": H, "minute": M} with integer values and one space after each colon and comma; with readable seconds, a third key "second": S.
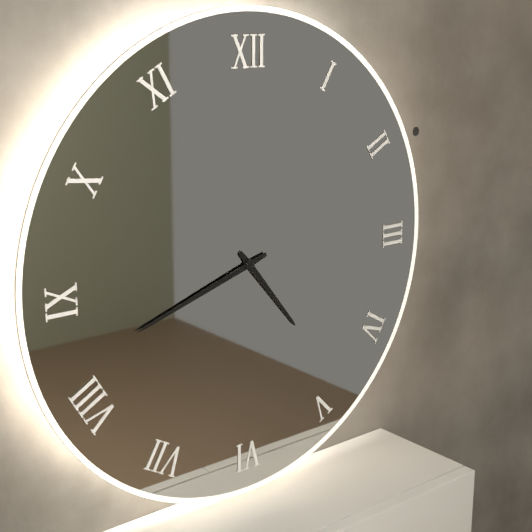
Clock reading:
{"hour": 4, "minute": 42}
